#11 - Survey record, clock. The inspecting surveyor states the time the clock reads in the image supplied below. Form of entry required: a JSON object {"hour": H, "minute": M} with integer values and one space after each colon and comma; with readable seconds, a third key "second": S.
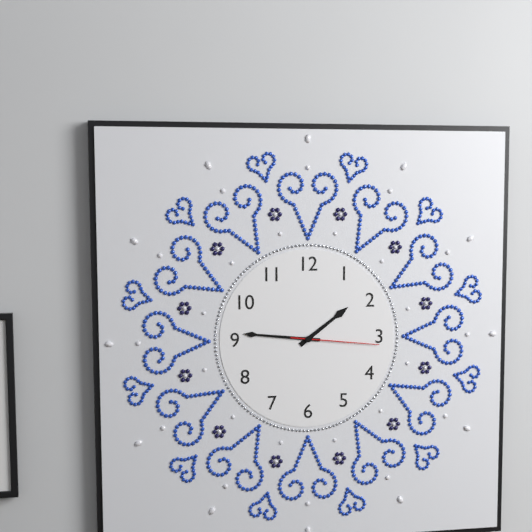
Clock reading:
{"hour": 1, "minute": 46, "second": 16}
